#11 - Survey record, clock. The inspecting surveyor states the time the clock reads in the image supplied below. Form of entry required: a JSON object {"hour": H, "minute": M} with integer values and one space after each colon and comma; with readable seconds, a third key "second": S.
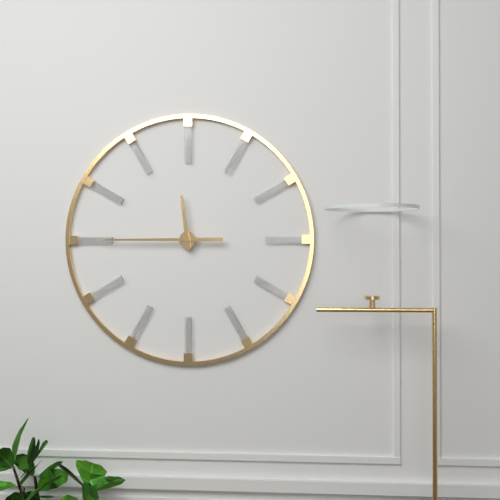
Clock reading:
{"hour": 11, "minute": 45}
